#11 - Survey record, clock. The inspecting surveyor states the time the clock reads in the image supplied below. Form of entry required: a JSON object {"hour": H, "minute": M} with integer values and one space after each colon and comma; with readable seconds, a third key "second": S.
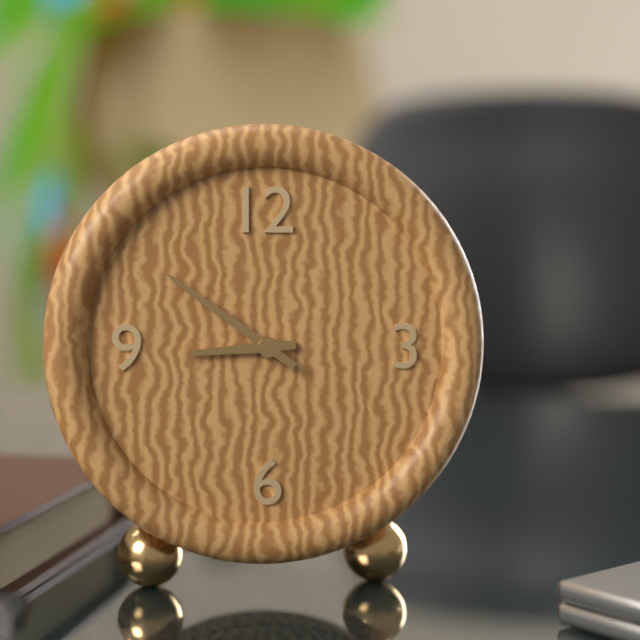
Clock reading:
{"hour": 8, "minute": 51}
